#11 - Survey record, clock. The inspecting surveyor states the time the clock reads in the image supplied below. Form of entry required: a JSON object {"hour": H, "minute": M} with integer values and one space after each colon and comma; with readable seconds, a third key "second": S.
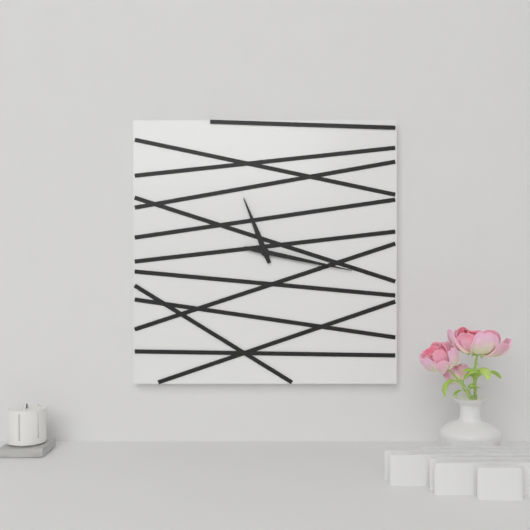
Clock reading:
{"hour": 11, "minute": 17}
